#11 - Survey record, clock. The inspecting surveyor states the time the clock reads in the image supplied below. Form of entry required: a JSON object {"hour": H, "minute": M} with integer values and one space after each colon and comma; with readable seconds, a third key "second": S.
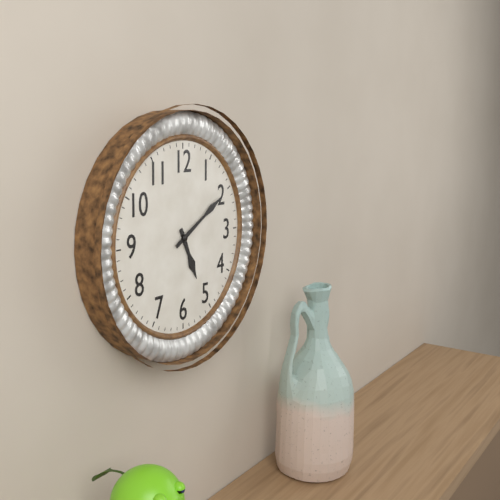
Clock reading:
{"hour": 5, "minute": 10}
